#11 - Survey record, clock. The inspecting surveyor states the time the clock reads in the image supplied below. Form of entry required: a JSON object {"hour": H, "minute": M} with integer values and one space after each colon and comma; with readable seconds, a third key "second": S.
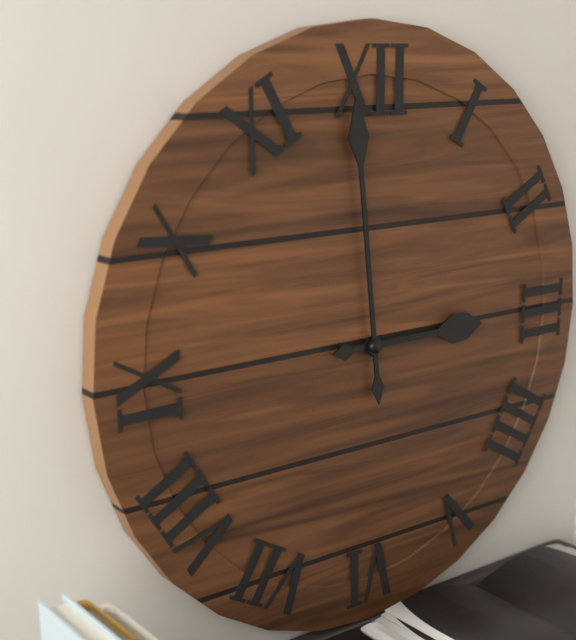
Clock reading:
{"hour": 2, "minute": 59}
